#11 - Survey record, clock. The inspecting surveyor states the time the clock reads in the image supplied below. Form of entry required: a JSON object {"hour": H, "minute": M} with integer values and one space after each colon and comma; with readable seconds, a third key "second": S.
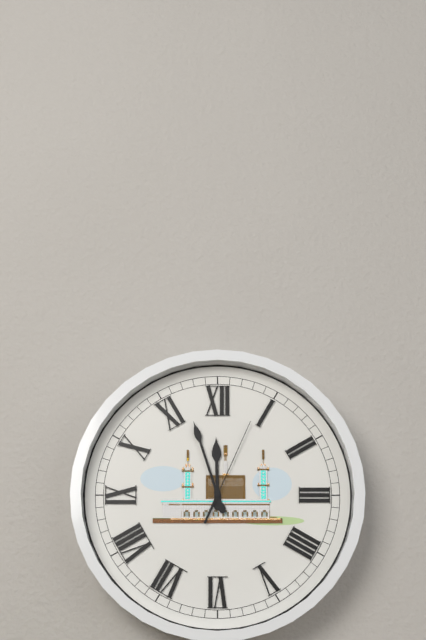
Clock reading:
{"hour": 11, "minute": 57, "second": 4}
